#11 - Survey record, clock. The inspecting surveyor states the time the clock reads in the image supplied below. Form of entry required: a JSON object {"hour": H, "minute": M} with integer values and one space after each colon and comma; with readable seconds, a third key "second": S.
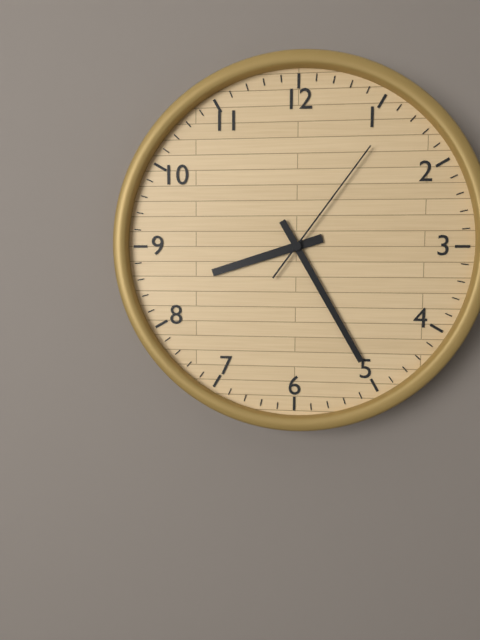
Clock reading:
{"hour": 8, "minute": 25, "second": 6}
